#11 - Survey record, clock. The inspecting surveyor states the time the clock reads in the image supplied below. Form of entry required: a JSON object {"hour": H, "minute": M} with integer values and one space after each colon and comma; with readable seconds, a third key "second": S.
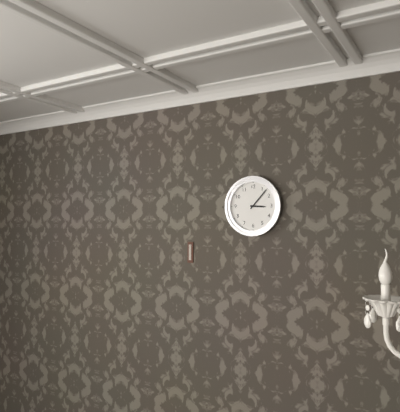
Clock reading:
{"hour": 3, "minute": 7}
